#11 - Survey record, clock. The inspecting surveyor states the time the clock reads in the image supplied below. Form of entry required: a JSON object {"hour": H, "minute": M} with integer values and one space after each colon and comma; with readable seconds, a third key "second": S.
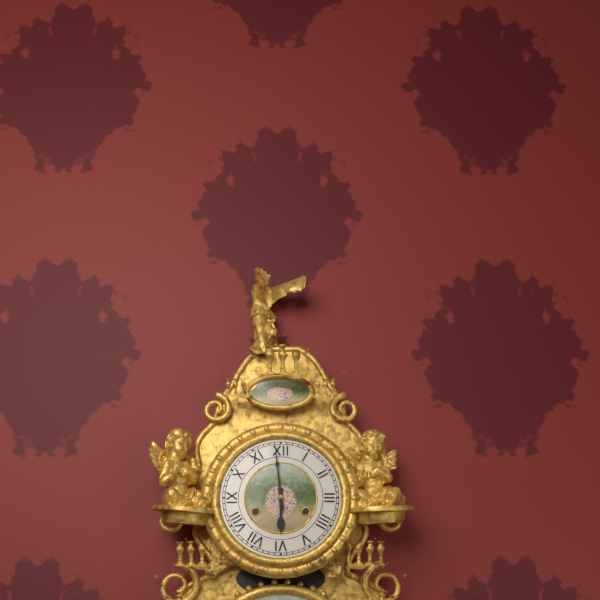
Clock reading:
{"hour": 5, "minute": 59}
